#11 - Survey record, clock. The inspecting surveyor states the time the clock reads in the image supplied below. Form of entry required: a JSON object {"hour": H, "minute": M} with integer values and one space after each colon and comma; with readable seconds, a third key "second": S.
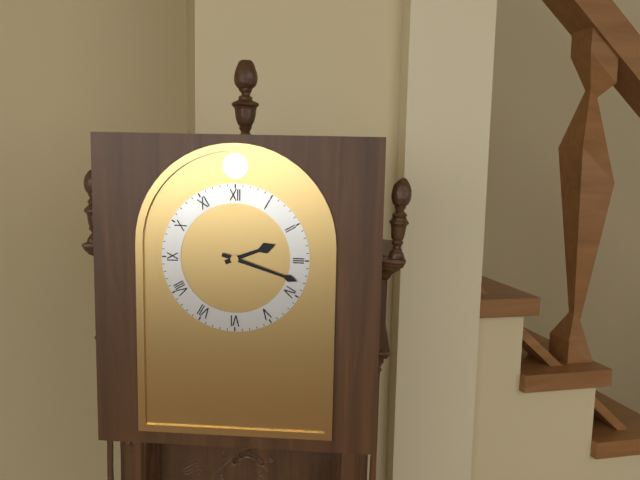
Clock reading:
{"hour": 2, "minute": 18}
